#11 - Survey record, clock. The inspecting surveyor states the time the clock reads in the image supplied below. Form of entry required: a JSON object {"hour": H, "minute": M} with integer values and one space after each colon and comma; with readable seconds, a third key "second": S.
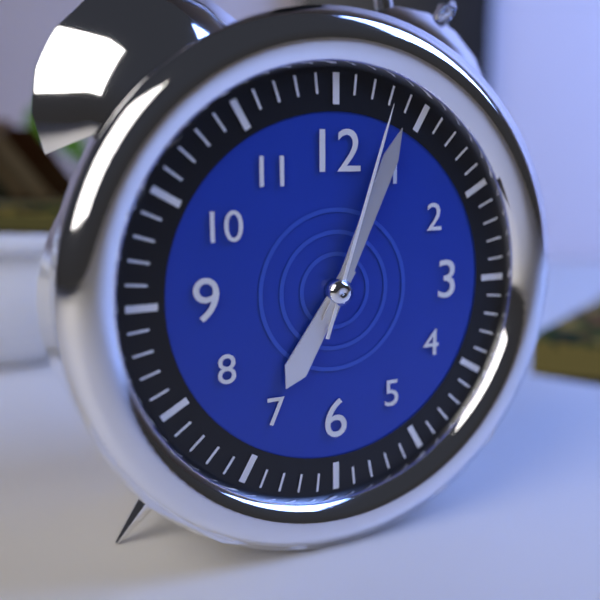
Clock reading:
{"hour": 7, "minute": 4, "second": 3}
